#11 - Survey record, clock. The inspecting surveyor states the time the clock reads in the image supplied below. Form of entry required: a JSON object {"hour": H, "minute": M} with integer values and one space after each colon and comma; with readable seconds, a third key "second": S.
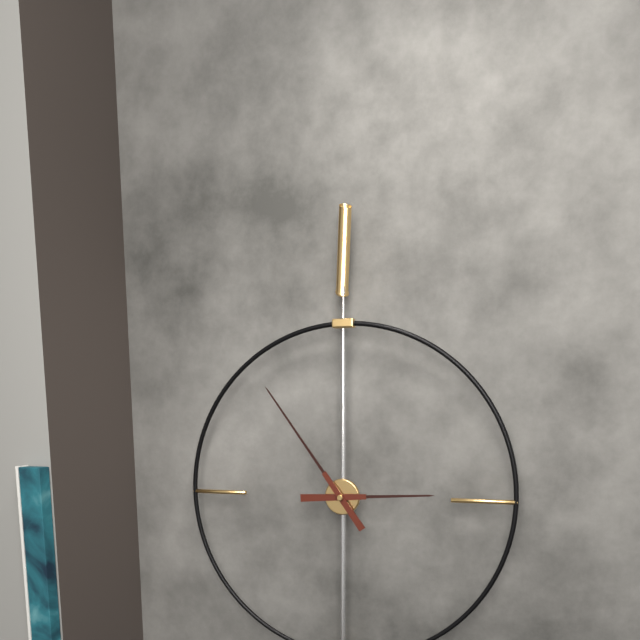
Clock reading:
{"hour": 2, "minute": 54}
